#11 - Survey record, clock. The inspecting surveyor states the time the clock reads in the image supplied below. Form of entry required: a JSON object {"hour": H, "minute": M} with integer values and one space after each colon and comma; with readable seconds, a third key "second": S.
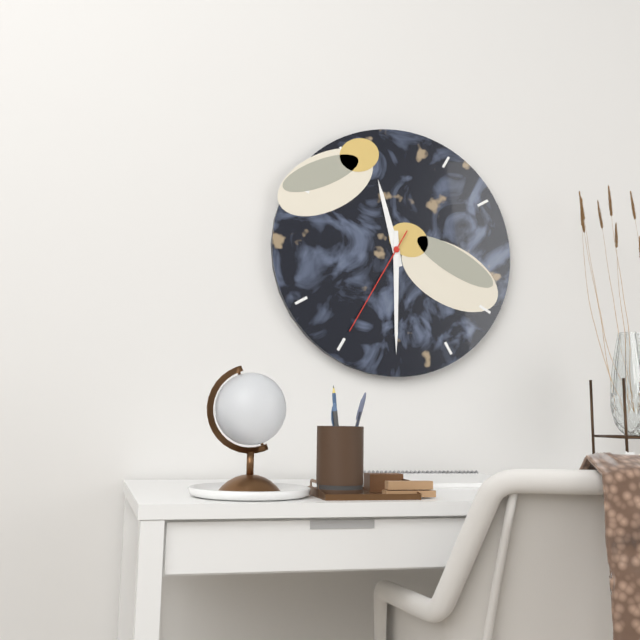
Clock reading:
{"hour": 11, "minute": 30, "second": 35}
